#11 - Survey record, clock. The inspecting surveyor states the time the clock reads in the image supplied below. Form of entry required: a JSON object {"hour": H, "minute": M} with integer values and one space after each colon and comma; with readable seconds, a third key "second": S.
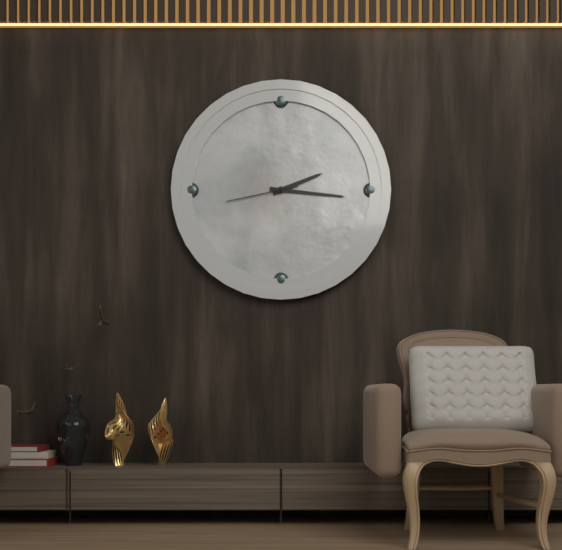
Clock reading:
{"hour": 2, "minute": 16, "second": 43}
